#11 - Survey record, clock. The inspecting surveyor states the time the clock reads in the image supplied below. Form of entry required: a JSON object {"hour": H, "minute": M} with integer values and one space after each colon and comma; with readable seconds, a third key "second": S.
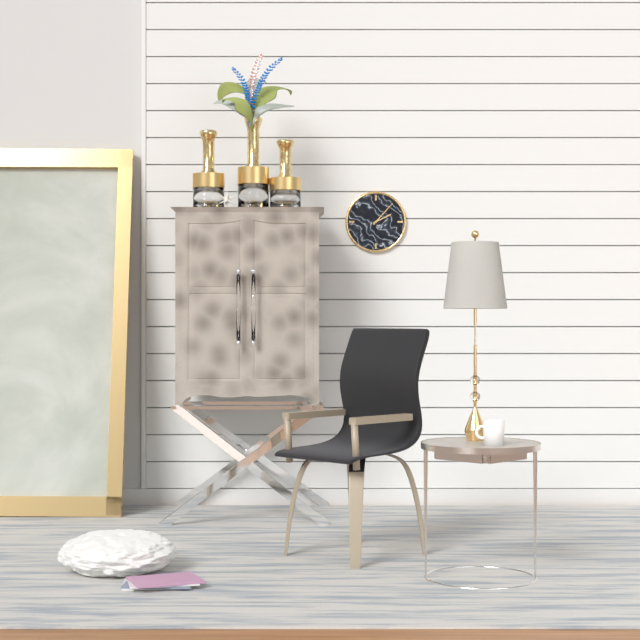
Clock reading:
{"hour": 2, "minute": 7}
